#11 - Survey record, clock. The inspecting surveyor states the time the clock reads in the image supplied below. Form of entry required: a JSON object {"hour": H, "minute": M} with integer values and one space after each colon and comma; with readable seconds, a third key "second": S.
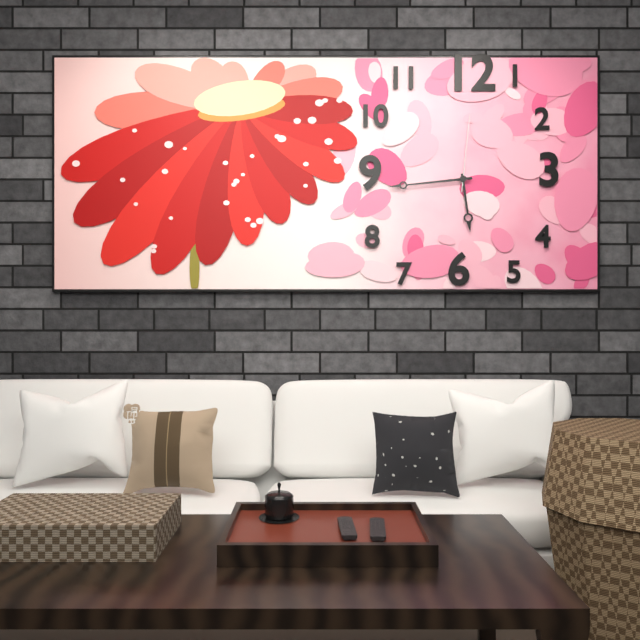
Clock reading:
{"hour": 5, "minute": 44, "second": 1}
